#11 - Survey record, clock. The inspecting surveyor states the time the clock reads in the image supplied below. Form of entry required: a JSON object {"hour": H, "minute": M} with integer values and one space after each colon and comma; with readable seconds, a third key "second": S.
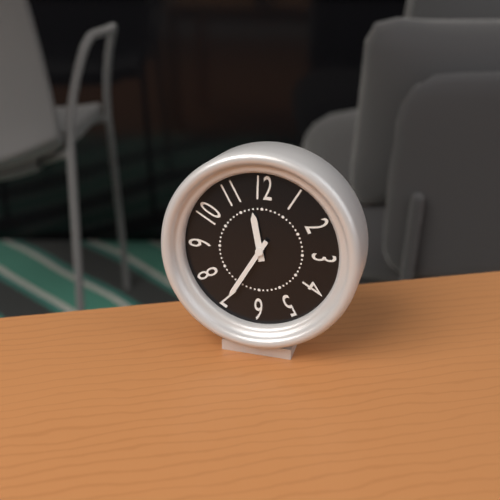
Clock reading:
{"hour": 11, "minute": 35}
